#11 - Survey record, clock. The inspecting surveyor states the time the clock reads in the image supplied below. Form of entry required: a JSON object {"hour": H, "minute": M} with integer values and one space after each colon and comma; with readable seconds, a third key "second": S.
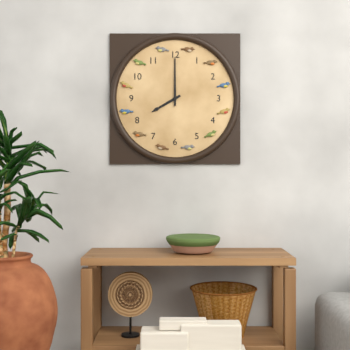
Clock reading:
{"hour": 8, "minute": 0}
